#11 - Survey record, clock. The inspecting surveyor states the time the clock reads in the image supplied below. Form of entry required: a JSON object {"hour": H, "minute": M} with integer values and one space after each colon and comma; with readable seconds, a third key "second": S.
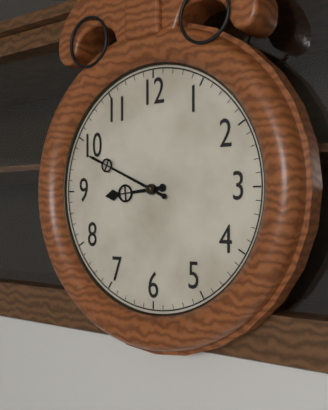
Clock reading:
{"hour": 8, "minute": 49}
